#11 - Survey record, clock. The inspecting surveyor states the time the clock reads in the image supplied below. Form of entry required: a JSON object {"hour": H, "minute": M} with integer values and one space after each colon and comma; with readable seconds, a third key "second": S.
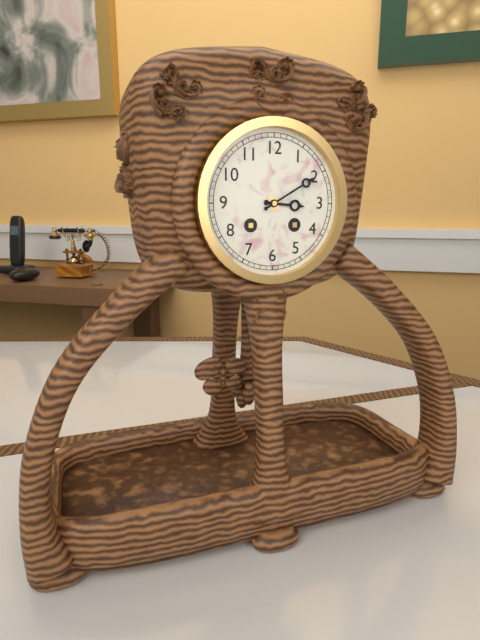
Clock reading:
{"hour": 3, "minute": 10}
